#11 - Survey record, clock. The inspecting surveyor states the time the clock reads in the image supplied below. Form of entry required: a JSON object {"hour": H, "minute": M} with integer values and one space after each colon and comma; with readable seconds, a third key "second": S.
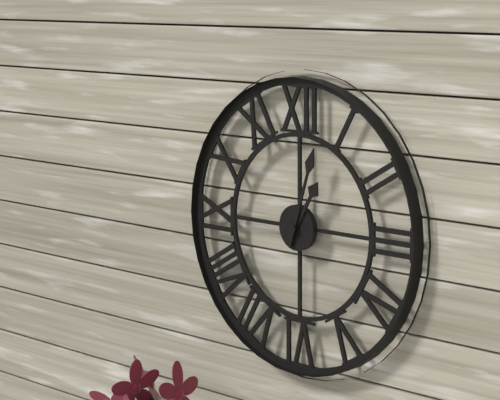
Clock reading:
{"hour": 1, "minute": 3}
